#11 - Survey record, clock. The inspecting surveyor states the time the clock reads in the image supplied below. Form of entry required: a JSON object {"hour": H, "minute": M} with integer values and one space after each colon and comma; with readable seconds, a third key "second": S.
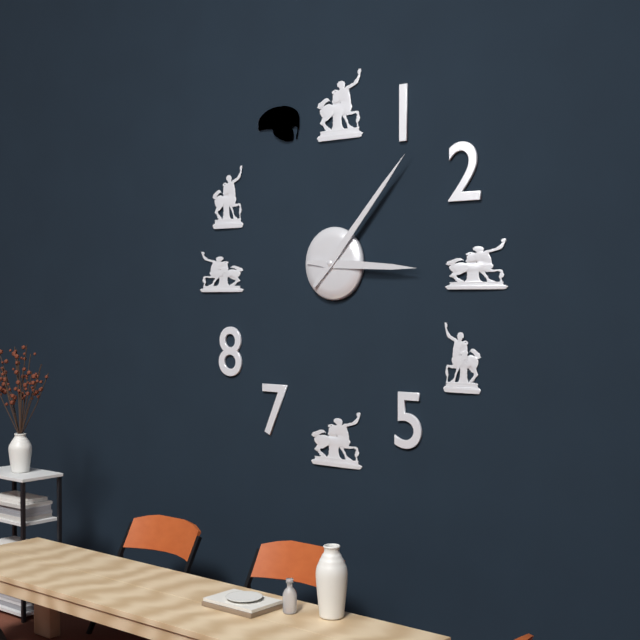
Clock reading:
{"hour": 3, "minute": 7}
